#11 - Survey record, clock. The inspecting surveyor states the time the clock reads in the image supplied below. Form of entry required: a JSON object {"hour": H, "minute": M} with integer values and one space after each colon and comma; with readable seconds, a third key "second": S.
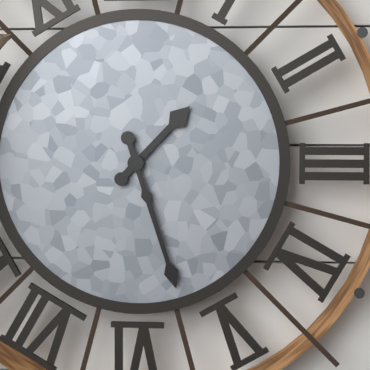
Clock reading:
{"hour": 1, "minute": 27}
